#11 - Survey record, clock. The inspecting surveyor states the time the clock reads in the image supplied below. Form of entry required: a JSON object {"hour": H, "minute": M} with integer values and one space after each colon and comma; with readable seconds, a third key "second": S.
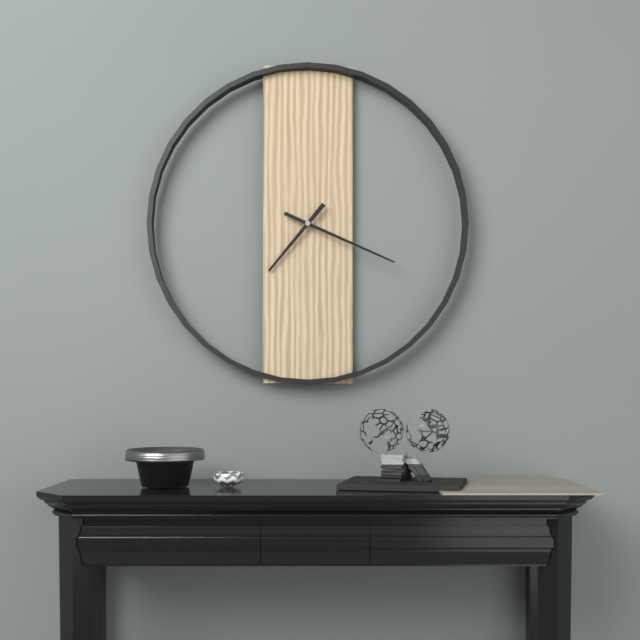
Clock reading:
{"hour": 7, "minute": 19}
